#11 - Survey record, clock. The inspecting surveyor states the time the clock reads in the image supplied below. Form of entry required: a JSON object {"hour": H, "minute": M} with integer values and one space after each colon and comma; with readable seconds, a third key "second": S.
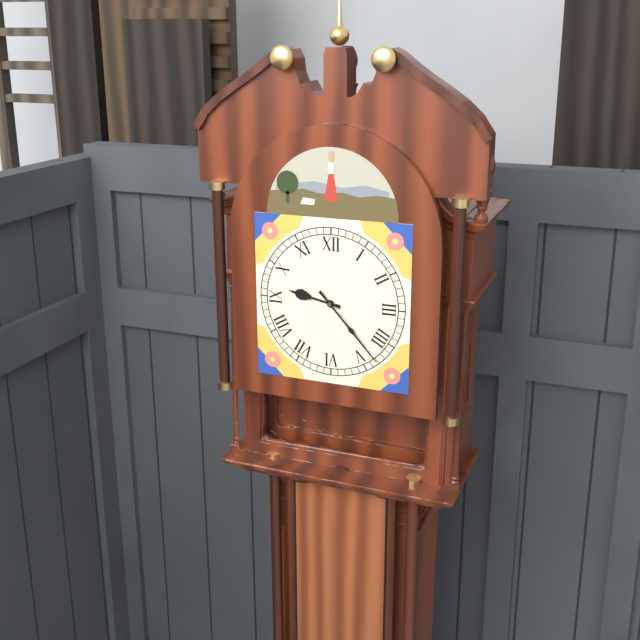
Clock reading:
{"hour": 9, "minute": 23}
